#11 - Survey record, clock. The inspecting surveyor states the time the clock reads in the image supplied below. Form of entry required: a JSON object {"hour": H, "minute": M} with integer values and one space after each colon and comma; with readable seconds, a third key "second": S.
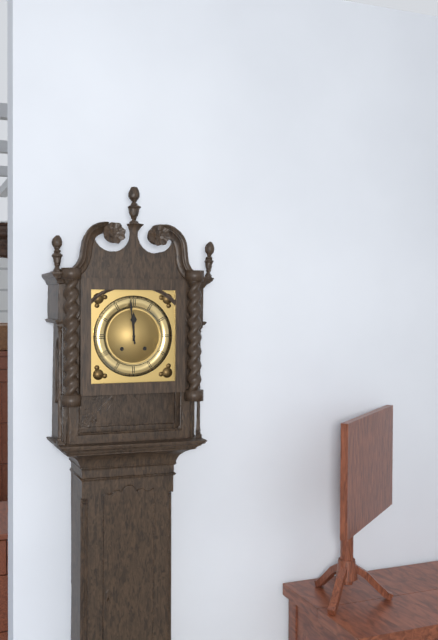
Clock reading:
{"hour": 11, "minute": 59}
